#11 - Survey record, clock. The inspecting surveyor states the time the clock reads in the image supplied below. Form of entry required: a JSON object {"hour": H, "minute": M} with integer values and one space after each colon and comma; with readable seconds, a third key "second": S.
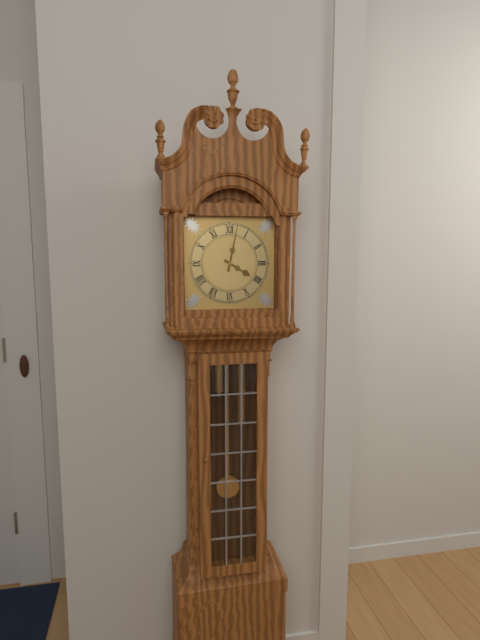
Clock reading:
{"hour": 4, "minute": 2}
